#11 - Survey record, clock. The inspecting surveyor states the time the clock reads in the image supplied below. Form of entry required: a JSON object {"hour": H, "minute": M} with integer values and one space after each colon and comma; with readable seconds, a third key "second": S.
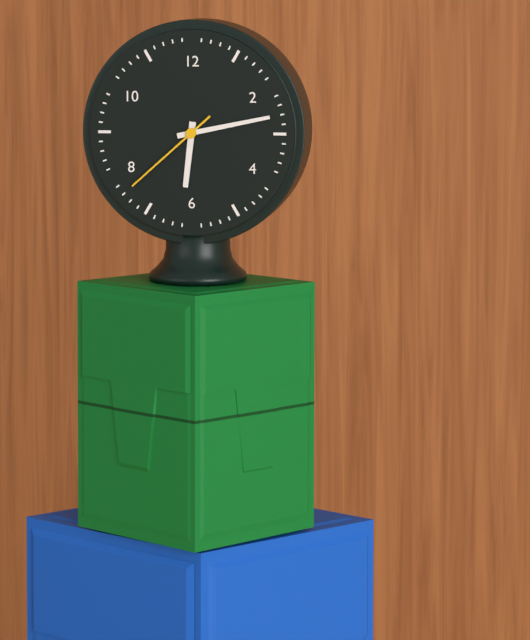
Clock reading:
{"hour": 6, "minute": 13, "second": 38}
